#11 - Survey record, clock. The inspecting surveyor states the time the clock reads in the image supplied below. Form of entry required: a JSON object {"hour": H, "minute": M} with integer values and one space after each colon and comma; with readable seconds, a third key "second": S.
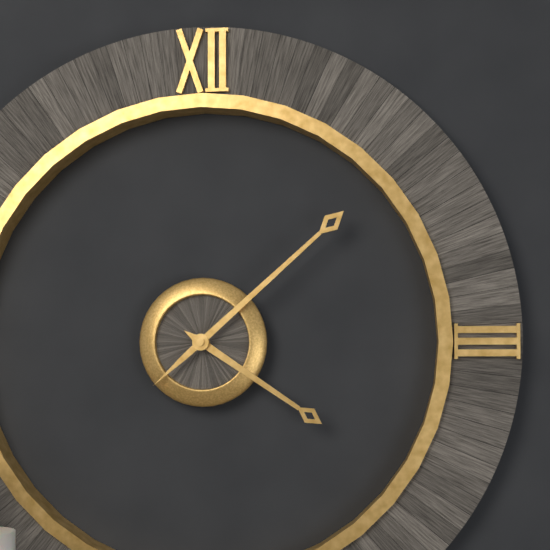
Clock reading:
{"hour": 4, "minute": 8}
